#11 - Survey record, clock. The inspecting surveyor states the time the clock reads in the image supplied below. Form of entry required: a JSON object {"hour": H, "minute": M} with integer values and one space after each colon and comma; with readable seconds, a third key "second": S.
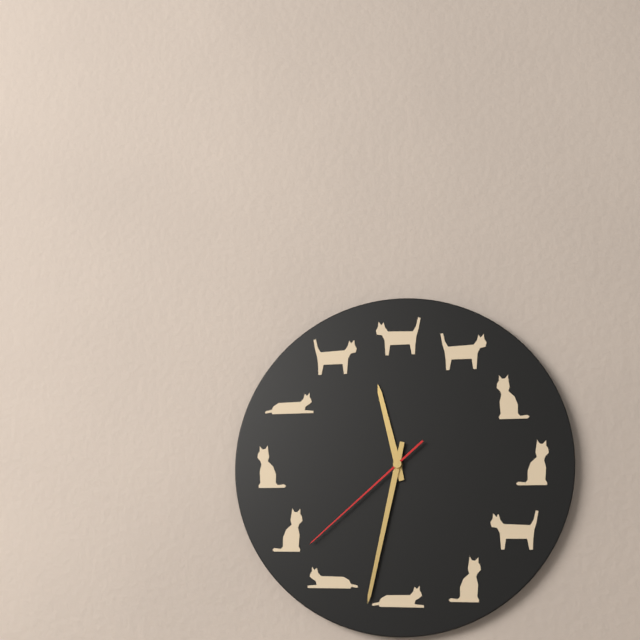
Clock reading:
{"hour": 11, "minute": 32, "second": 38}
